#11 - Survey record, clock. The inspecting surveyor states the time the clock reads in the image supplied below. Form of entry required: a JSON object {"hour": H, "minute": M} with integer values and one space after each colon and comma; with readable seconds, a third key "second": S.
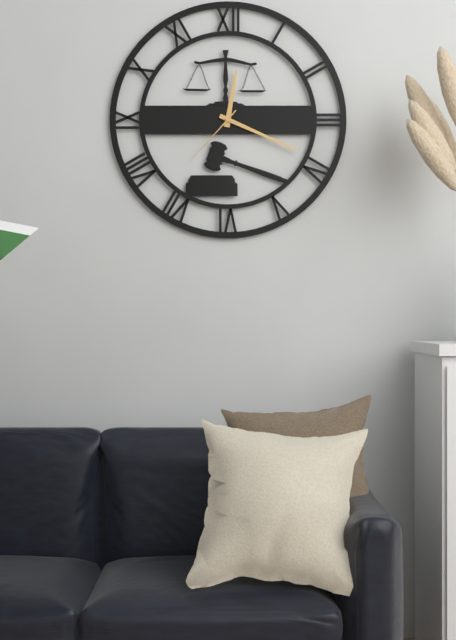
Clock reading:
{"hour": 12, "minute": 19, "second": 37}
